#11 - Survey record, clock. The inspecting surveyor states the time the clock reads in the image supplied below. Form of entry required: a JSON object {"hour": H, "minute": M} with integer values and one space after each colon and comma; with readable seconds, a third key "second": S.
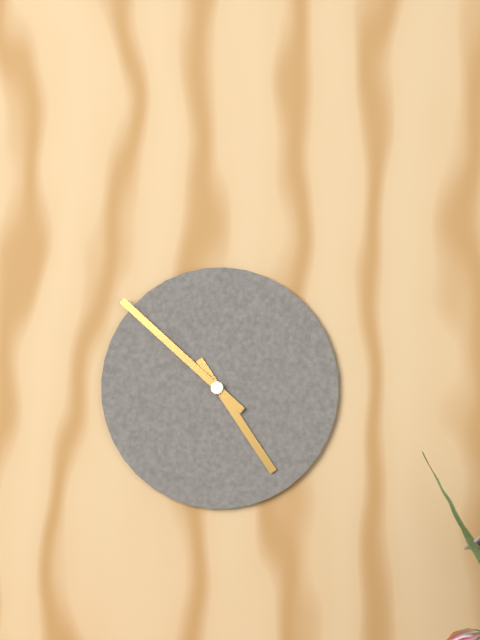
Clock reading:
{"hour": 4, "minute": 52}
